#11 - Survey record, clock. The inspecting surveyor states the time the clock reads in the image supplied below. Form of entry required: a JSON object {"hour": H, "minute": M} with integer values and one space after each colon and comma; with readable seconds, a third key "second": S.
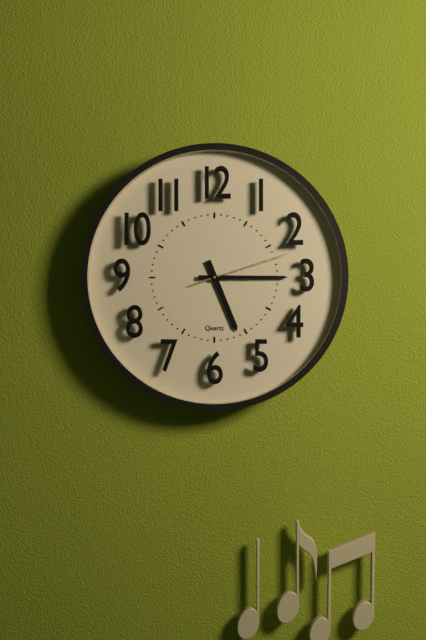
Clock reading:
{"hour": 5, "minute": 15, "second": 12}
